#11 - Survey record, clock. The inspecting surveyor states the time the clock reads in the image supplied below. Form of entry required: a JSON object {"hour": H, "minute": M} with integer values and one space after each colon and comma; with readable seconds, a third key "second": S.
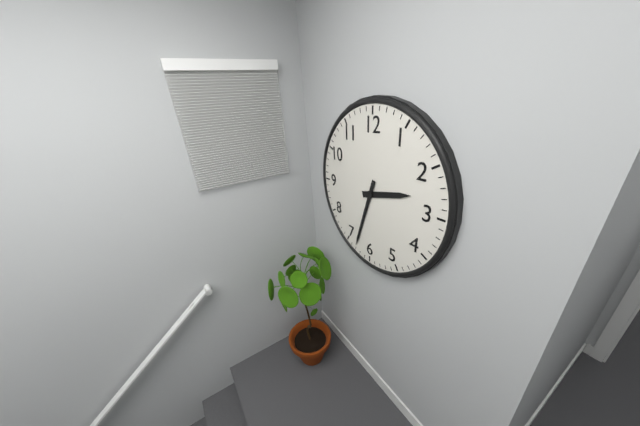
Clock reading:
{"hour": 2, "minute": 33}
